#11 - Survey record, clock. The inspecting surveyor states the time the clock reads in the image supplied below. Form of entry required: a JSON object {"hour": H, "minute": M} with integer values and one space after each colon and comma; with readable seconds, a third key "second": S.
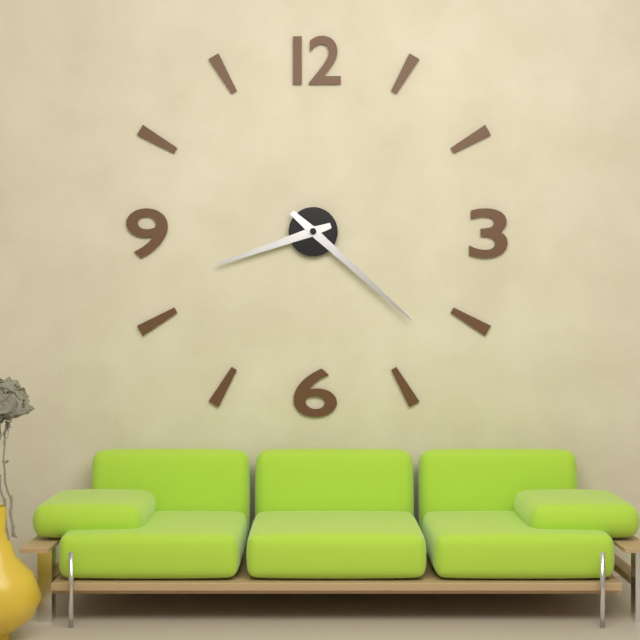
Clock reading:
{"hour": 8, "minute": 22}
